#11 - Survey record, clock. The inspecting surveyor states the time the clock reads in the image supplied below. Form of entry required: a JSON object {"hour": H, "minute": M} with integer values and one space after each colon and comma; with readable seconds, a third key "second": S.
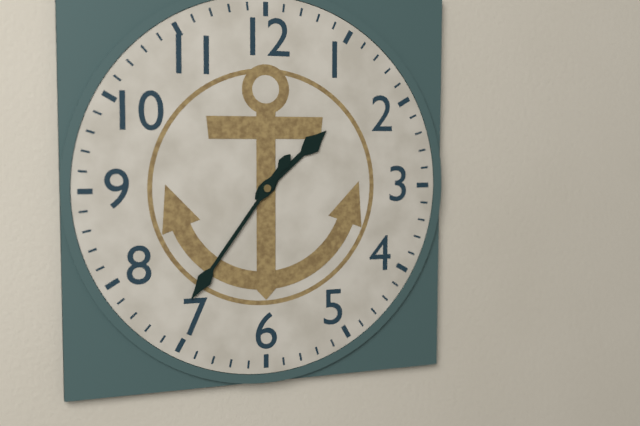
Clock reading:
{"hour": 1, "minute": 36}
